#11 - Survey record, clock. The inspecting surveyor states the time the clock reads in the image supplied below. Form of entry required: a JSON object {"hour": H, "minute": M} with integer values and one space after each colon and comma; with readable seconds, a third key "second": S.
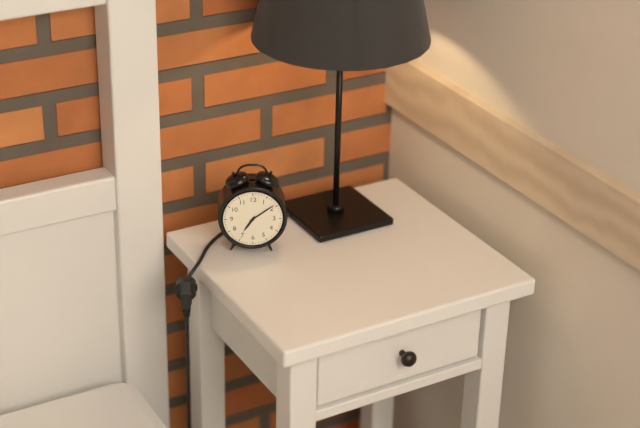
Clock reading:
{"hour": 7, "minute": 9}
